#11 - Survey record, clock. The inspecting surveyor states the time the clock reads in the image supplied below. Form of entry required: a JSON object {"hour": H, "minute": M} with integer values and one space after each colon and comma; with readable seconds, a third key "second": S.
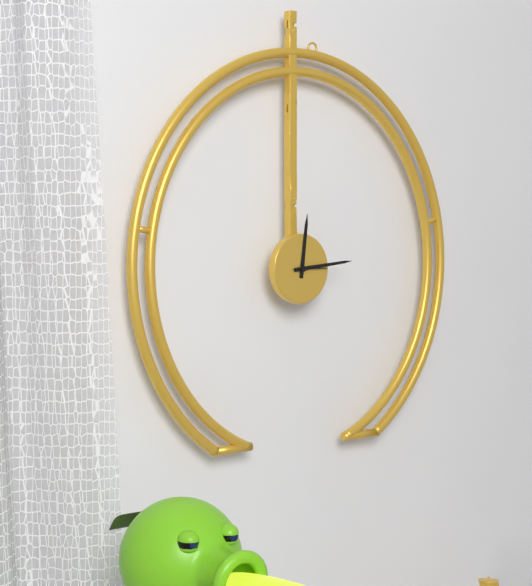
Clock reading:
{"hour": 12, "minute": 14}
